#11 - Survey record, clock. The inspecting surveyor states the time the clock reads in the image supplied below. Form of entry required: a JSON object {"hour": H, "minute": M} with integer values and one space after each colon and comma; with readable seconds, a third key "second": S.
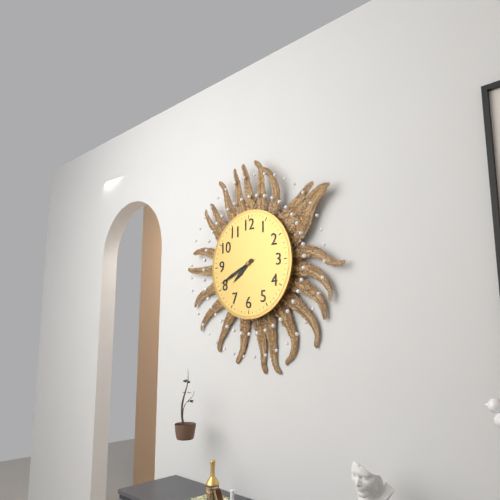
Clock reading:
{"hour": 7, "minute": 41}
